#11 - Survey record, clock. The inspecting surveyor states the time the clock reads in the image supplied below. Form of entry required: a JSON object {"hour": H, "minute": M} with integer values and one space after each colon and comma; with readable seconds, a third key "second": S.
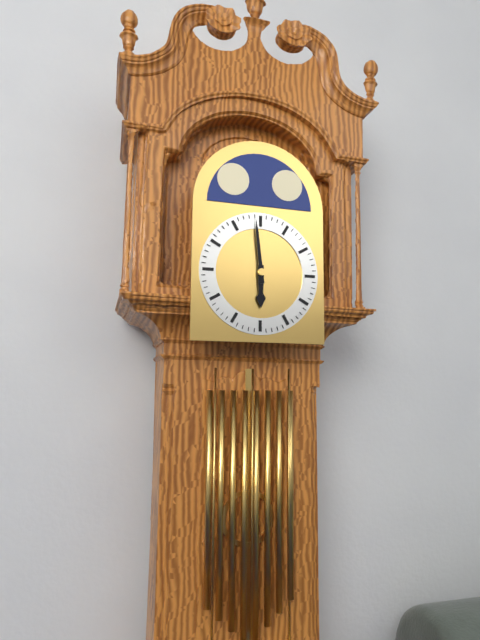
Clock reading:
{"hour": 5, "minute": 59}
